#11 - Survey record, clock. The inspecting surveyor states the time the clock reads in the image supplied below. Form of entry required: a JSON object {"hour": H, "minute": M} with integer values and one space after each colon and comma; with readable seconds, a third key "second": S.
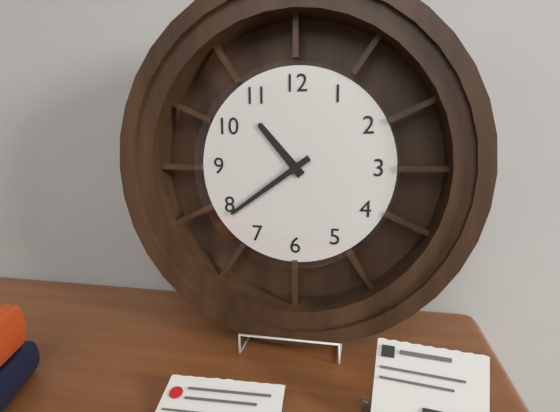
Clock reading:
{"hour": 10, "minute": 39}
